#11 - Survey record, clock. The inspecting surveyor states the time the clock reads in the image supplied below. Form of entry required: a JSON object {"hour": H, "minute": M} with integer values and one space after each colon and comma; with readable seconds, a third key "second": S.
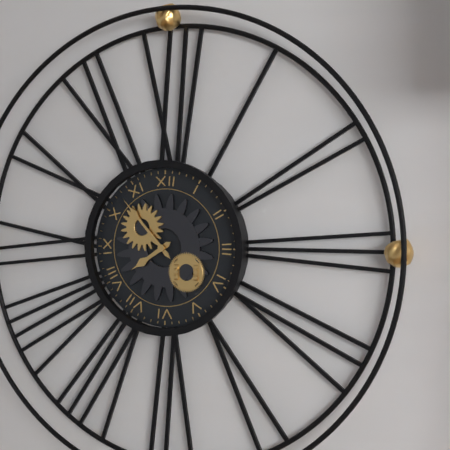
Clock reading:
{"hour": 7, "minute": 53}
